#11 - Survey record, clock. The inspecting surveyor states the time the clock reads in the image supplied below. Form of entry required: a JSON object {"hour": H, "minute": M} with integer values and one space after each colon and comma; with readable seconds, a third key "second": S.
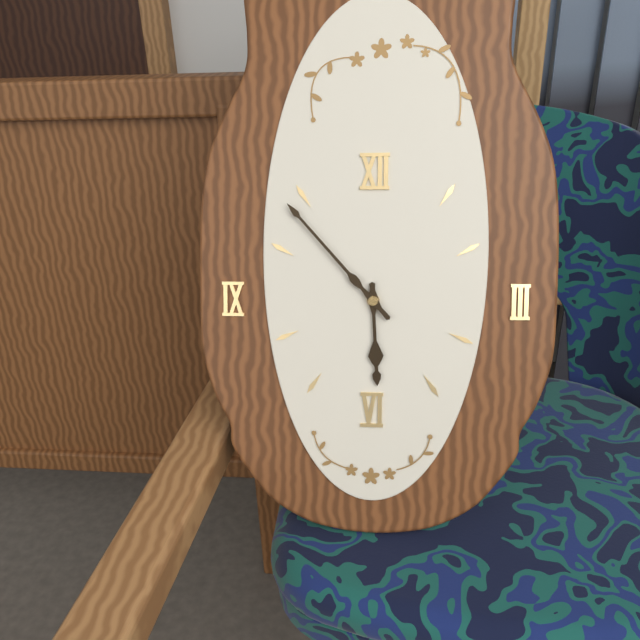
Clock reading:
{"hour": 5, "minute": 53}
